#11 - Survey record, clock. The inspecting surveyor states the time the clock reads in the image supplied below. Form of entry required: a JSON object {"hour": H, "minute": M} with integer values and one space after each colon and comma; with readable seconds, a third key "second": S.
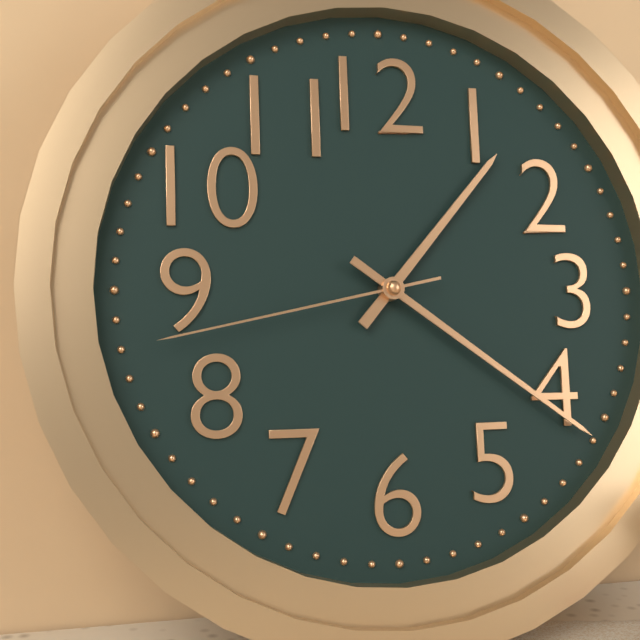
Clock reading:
{"hour": 1, "minute": 21, "second": 43}
